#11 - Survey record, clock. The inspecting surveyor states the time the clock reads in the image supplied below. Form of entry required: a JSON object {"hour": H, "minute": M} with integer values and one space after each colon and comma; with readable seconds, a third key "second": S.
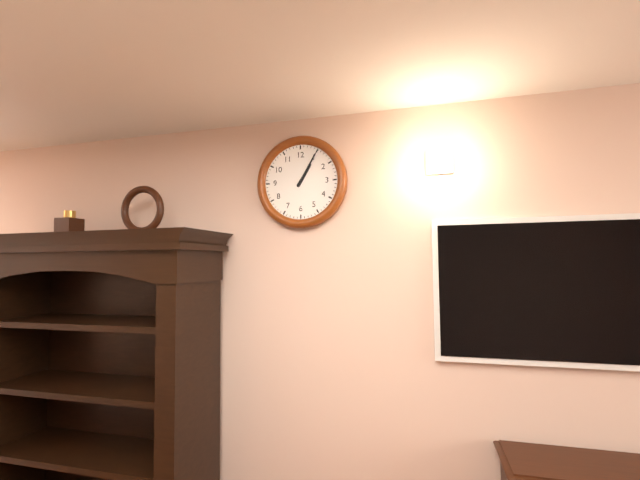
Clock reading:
{"hour": 1, "minute": 5}
